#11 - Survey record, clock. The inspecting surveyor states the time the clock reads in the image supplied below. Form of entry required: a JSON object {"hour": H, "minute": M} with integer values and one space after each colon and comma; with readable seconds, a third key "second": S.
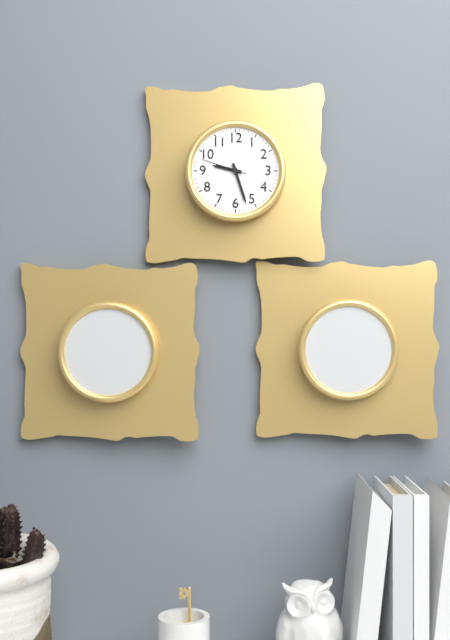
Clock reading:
{"hour": 9, "minute": 27}
